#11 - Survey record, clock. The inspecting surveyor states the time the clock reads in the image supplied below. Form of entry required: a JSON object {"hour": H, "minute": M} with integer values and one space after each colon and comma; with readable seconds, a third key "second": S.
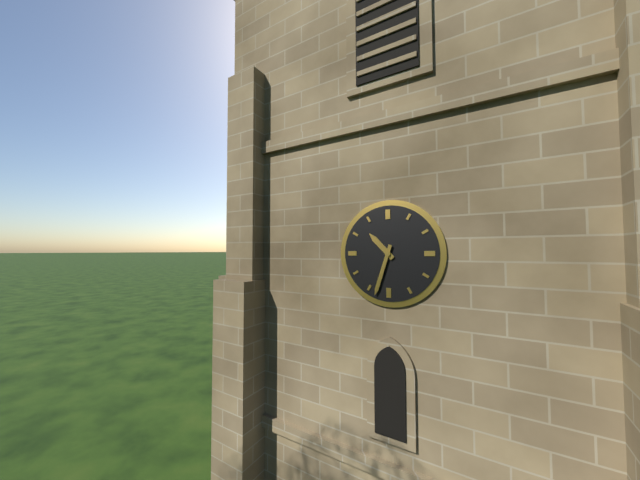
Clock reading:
{"hour": 10, "minute": 33}
